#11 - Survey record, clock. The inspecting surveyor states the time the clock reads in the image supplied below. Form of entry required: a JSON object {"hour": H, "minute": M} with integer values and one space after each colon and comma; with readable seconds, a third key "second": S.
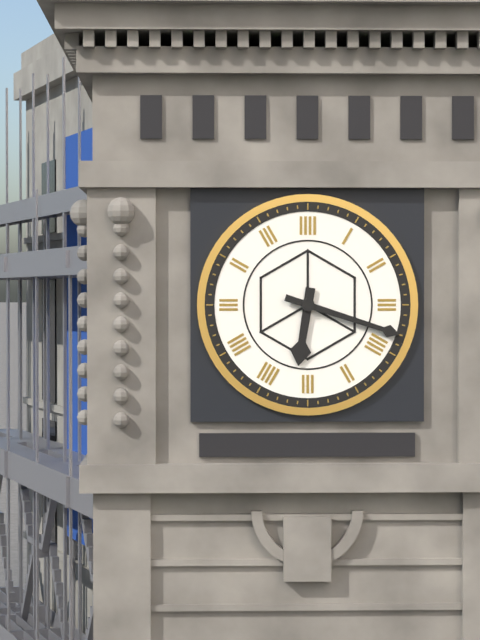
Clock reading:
{"hour": 6, "minute": 18}
